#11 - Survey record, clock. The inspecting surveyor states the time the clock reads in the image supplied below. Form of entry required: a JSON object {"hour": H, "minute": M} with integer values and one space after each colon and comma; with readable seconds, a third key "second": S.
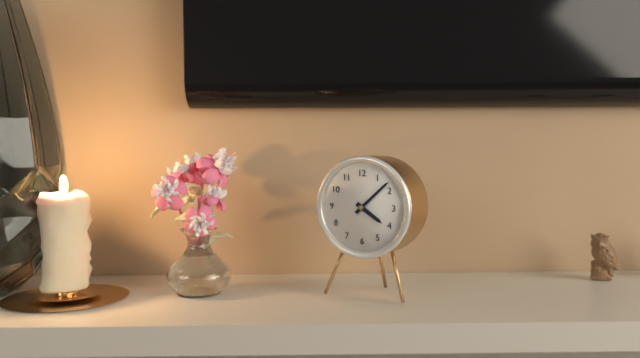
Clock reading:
{"hour": 4, "minute": 8}
